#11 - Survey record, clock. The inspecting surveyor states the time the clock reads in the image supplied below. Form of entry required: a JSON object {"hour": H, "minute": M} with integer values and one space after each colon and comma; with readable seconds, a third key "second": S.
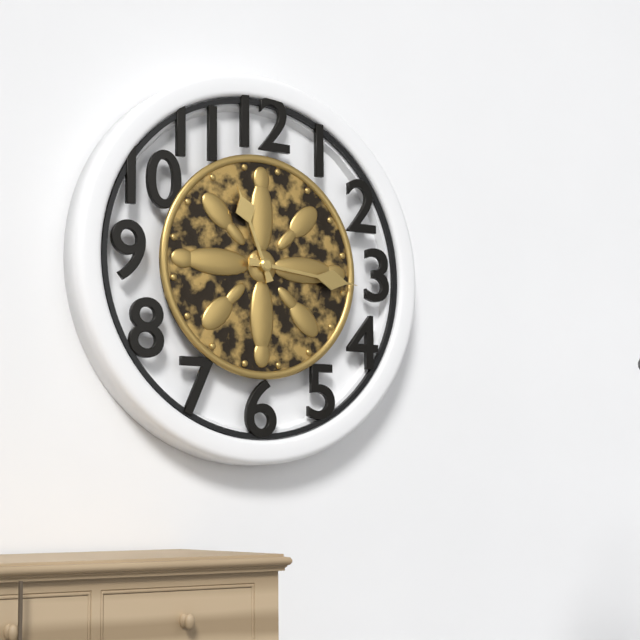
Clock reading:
{"hour": 11, "minute": 16}
